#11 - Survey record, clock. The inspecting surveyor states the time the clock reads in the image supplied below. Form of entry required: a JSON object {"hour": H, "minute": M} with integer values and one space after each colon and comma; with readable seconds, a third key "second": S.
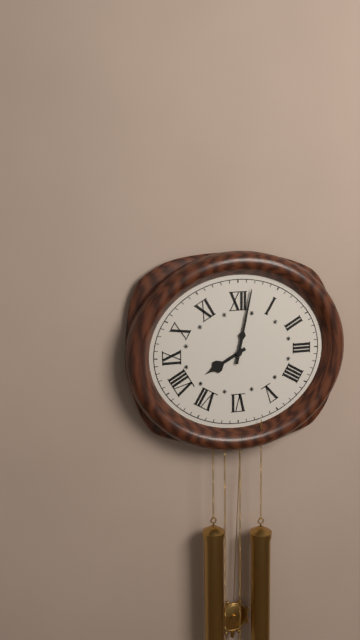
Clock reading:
{"hour": 8, "minute": 2}
